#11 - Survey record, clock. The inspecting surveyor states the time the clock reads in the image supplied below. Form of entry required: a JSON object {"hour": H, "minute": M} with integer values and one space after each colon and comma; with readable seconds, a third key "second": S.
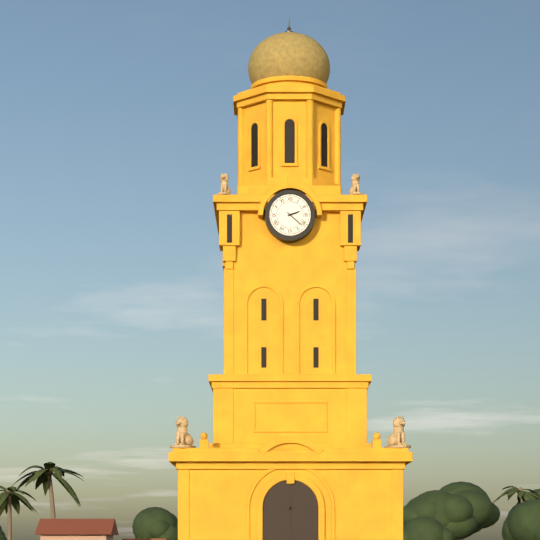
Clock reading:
{"hour": 2, "minute": 22}
